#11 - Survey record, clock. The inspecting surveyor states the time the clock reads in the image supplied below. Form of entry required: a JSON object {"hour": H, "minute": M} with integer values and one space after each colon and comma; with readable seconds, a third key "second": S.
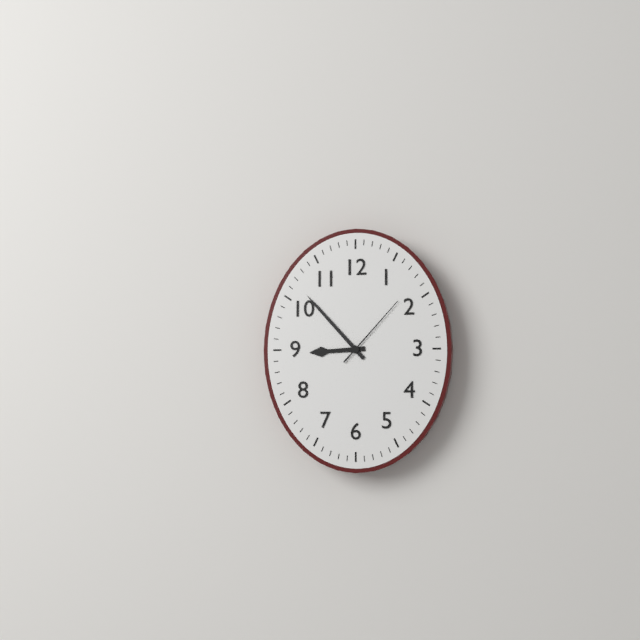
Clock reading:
{"hour": 8, "minute": 53, "second": 7}
